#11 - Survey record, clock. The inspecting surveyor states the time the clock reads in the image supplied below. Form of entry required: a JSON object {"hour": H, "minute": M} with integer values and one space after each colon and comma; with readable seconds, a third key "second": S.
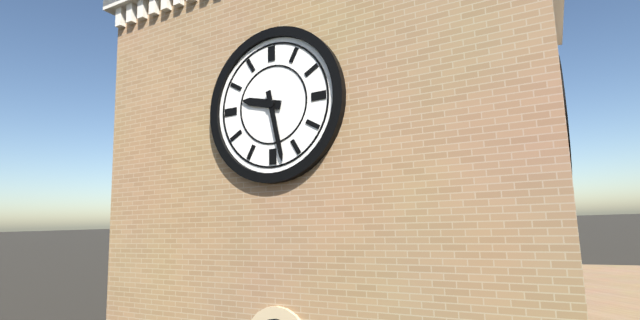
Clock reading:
{"hour": 9, "minute": 28}
